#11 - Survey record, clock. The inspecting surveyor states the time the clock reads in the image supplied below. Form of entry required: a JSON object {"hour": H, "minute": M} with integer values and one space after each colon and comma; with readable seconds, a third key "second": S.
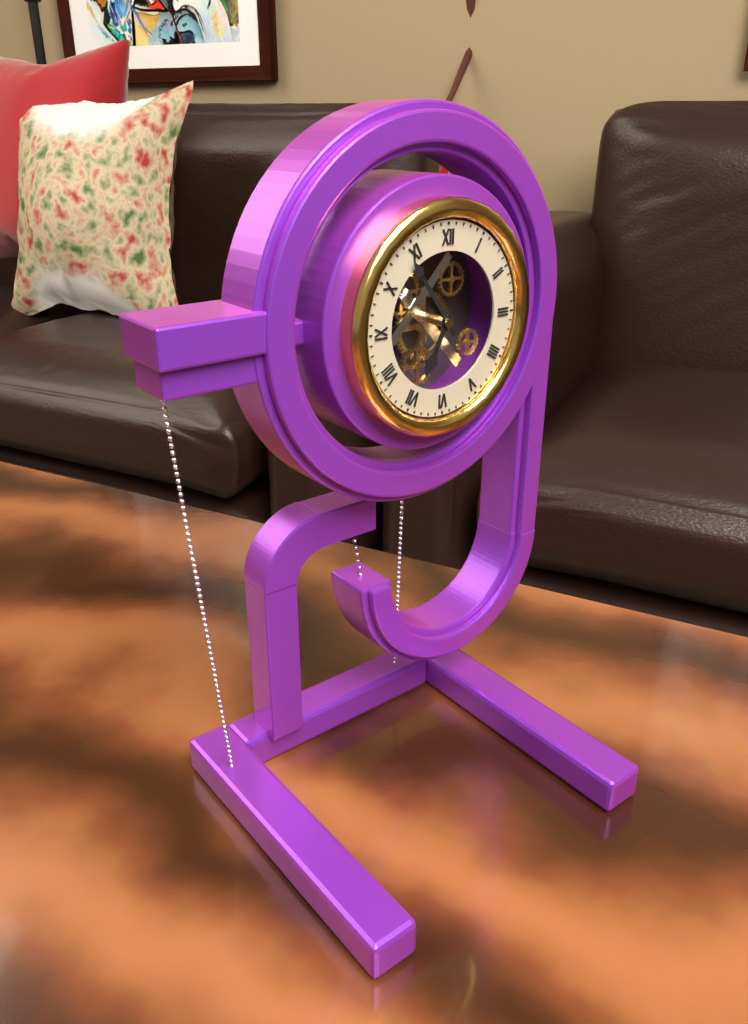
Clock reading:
{"hour": 6, "minute": 54}
